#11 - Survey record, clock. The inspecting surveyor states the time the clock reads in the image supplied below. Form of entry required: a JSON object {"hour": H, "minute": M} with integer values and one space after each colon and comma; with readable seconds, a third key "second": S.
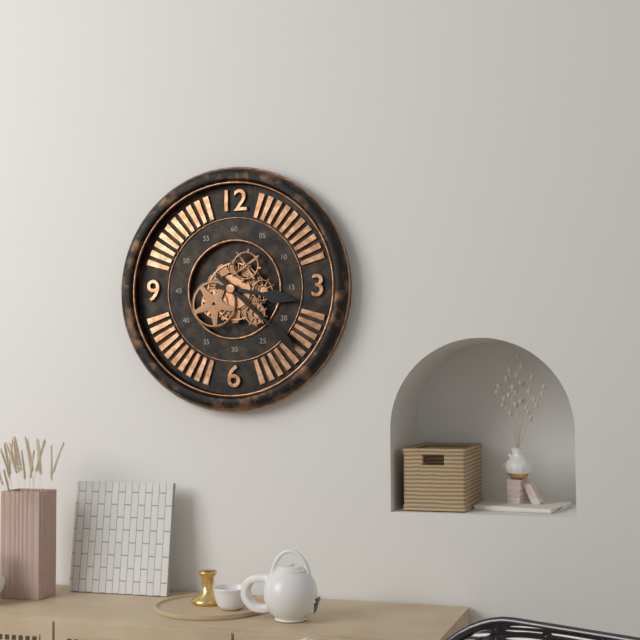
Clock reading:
{"hour": 3, "minute": 22}
